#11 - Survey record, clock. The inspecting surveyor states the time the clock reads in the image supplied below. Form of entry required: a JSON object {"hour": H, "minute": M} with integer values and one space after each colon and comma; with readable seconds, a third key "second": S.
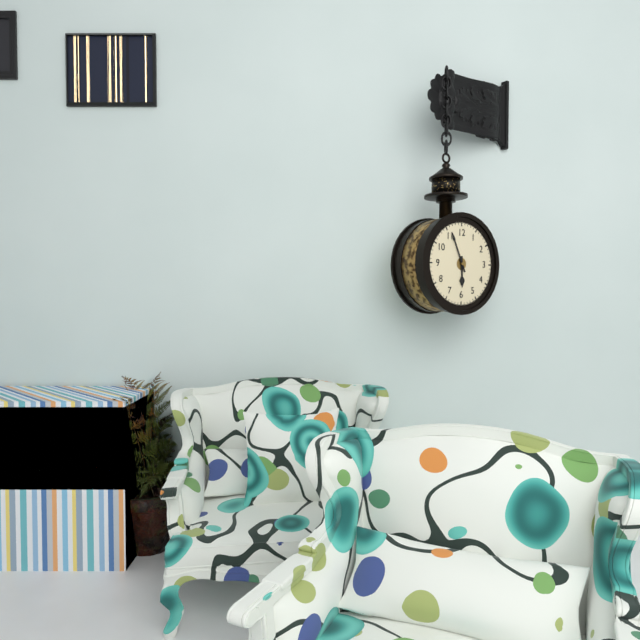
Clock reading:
{"hour": 5, "minute": 56}
